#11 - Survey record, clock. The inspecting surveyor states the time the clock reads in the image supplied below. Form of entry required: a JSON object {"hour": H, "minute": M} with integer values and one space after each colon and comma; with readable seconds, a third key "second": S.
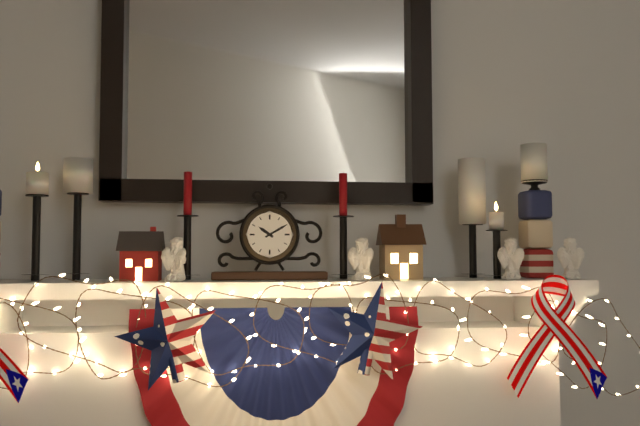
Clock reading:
{"hour": 10, "minute": 10}
